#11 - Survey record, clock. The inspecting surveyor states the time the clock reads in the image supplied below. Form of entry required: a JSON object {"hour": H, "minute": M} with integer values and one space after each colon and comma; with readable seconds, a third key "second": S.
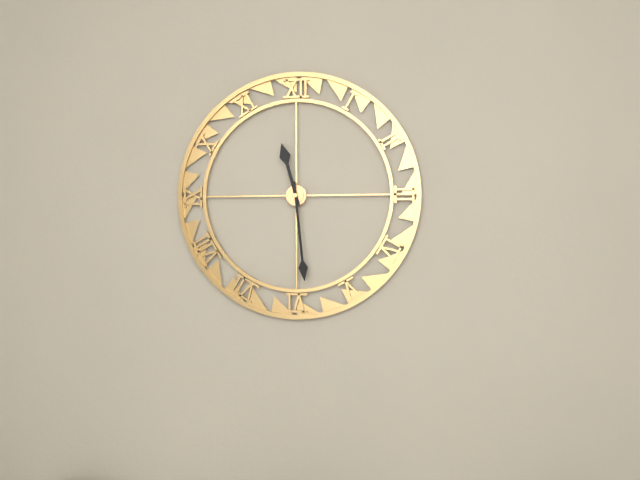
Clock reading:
{"hour": 11, "minute": 29}
